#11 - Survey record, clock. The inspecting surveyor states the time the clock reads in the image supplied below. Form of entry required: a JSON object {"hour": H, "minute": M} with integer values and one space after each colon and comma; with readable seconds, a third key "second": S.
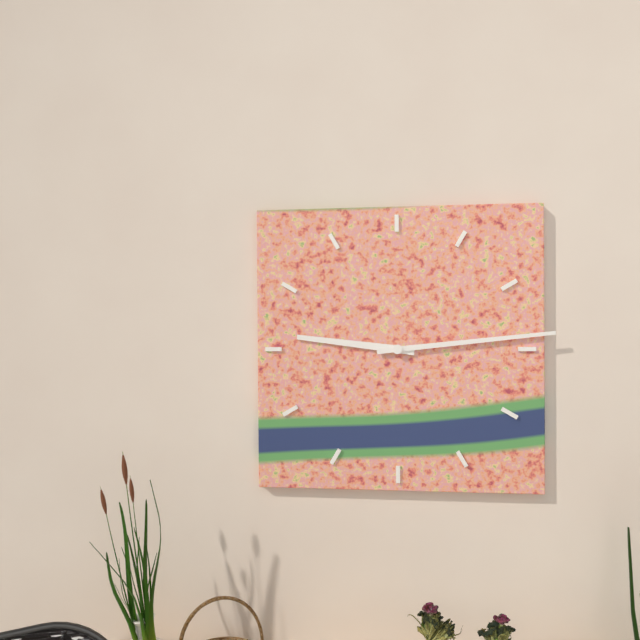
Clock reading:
{"hour": 9, "minute": 14}
